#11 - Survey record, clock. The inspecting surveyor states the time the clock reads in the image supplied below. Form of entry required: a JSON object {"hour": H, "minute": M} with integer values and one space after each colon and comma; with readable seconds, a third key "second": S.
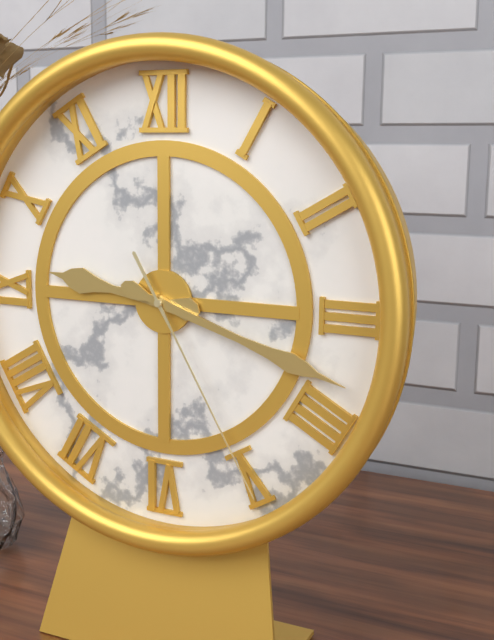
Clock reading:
{"hour": 9, "minute": 18, "second": 25}
